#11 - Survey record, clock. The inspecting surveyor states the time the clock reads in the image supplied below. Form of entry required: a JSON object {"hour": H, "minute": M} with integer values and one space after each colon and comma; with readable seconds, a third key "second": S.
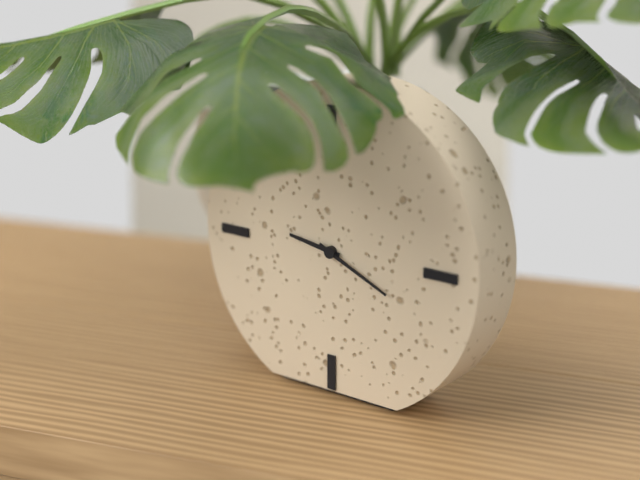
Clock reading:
{"hour": 9, "minute": 19}
